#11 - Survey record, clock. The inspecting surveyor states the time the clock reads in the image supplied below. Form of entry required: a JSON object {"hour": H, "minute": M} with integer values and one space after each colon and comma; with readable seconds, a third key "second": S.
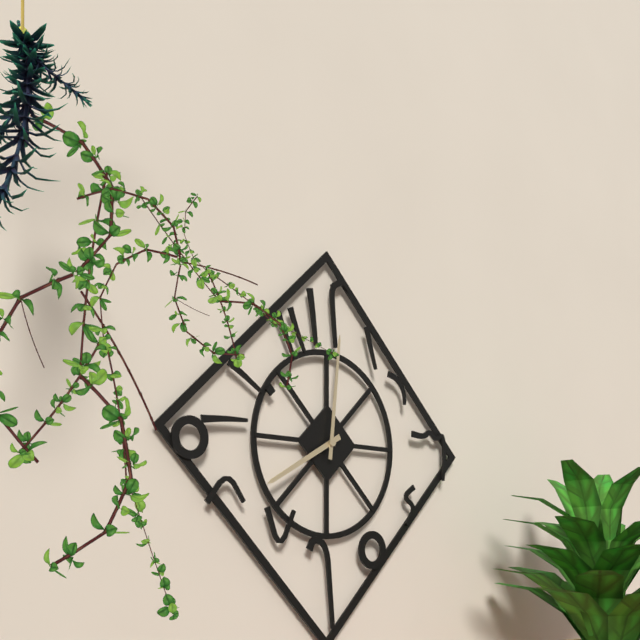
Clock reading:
{"hour": 8, "minute": 1}
